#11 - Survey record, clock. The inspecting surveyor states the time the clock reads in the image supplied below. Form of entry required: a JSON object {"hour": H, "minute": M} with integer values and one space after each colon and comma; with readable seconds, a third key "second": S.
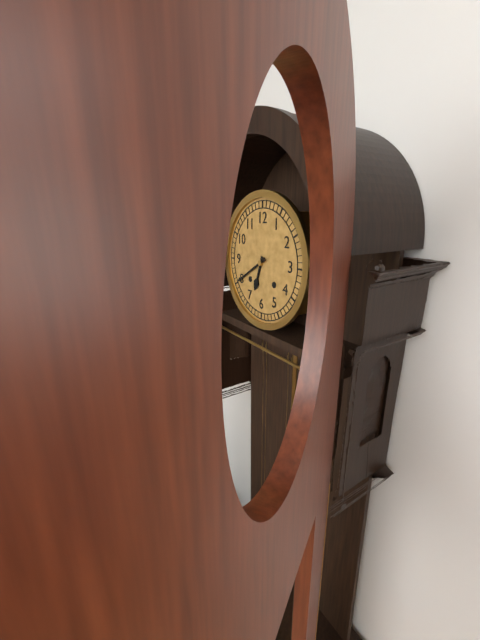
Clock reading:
{"hour": 6, "minute": 40}
